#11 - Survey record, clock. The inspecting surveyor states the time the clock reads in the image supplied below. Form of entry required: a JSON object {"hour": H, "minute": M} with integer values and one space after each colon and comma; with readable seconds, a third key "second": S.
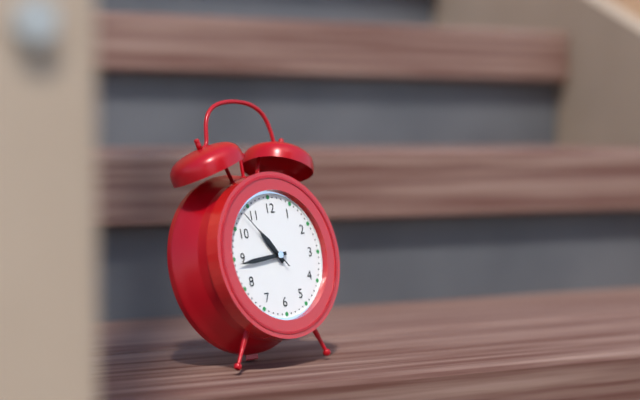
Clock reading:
{"hour": 10, "minute": 44, "second": 53}
